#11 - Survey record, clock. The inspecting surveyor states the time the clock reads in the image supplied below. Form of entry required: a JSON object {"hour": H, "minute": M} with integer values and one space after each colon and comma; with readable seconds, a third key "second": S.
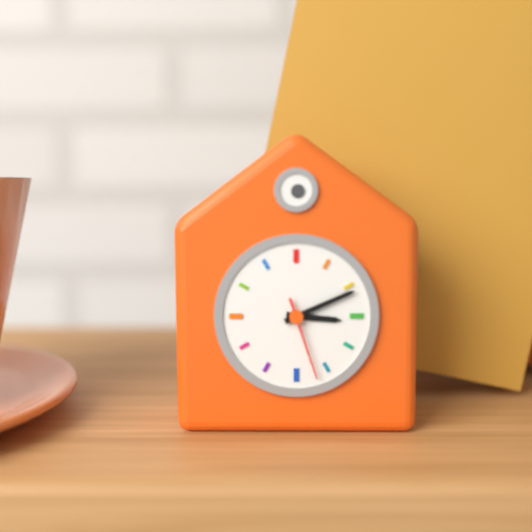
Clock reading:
{"hour": 3, "minute": 11, "second": 27}
